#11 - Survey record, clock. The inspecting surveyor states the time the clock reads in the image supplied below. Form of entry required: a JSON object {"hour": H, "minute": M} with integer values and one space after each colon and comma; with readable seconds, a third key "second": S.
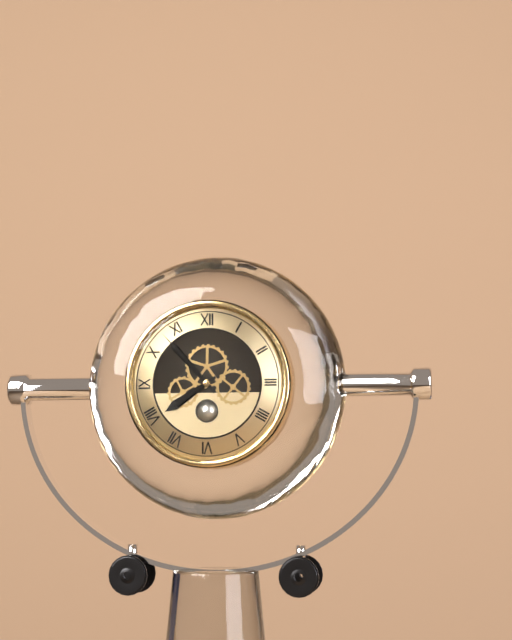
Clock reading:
{"hour": 7, "minute": 53}
